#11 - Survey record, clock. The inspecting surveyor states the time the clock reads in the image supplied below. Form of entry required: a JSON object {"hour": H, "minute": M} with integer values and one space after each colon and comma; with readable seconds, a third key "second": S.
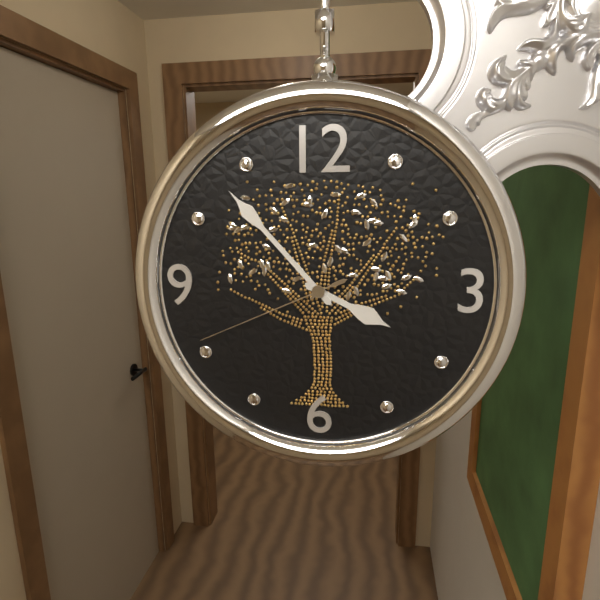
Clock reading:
{"hour": 3, "minute": 53, "second": 41}
